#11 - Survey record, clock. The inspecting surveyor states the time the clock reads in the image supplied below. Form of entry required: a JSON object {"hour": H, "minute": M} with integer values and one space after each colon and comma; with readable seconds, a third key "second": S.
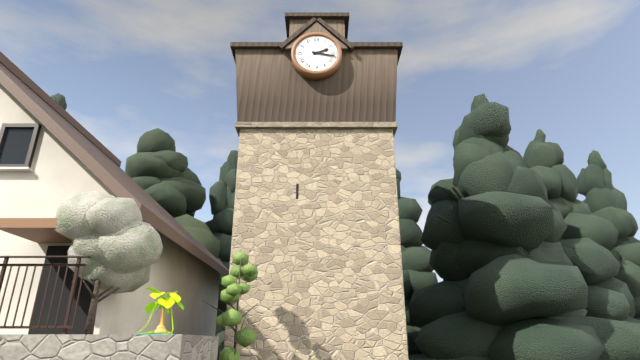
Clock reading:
{"hour": 2, "minute": 17}
